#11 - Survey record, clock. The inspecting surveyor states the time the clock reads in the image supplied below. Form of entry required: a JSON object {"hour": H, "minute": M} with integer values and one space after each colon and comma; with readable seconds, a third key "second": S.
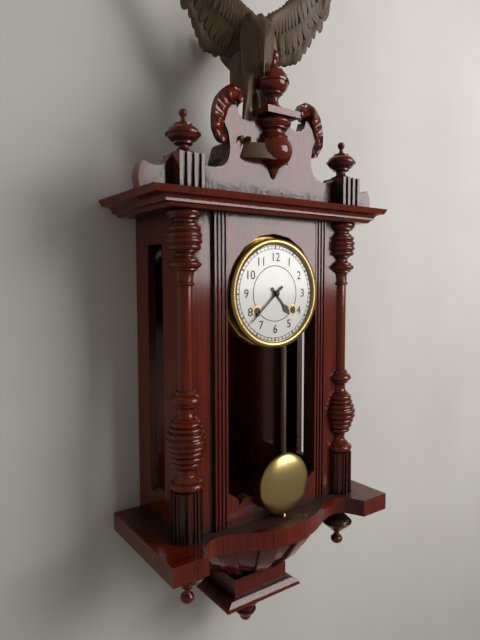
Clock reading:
{"hour": 4, "minute": 38}
